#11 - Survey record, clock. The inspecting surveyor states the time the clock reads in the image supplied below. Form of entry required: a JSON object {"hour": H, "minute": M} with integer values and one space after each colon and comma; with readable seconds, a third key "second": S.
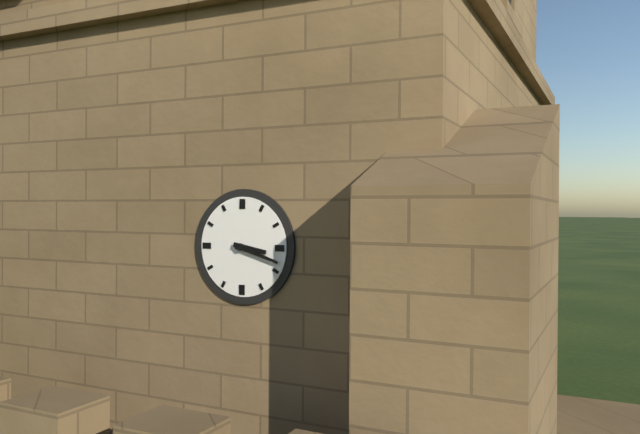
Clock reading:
{"hour": 3, "minute": 18}
